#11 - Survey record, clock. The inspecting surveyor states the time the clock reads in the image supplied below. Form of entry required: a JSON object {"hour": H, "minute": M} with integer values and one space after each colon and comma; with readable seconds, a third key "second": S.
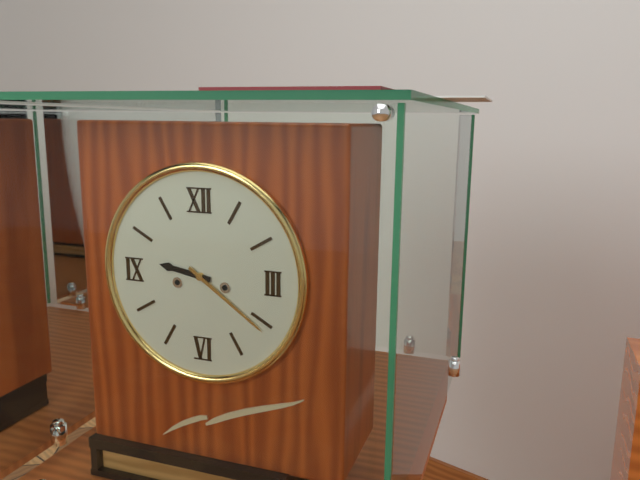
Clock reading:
{"hour": 9, "minute": 21}
